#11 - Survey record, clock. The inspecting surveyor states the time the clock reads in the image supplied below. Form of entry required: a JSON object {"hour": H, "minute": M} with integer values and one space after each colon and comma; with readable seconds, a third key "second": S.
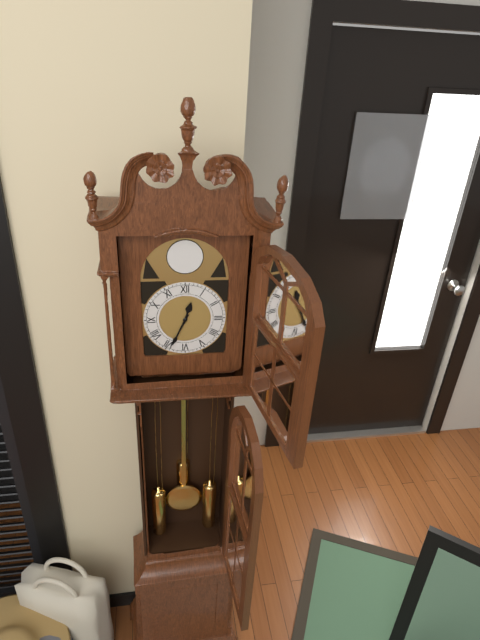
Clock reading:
{"hour": 12, "minute": 34}
